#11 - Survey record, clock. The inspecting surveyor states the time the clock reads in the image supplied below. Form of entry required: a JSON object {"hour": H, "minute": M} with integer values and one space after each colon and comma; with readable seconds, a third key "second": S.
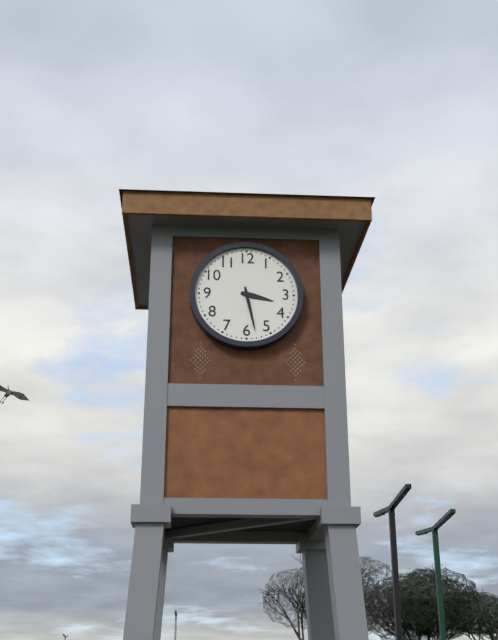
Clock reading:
{"hour": 3, "minute": 28}
